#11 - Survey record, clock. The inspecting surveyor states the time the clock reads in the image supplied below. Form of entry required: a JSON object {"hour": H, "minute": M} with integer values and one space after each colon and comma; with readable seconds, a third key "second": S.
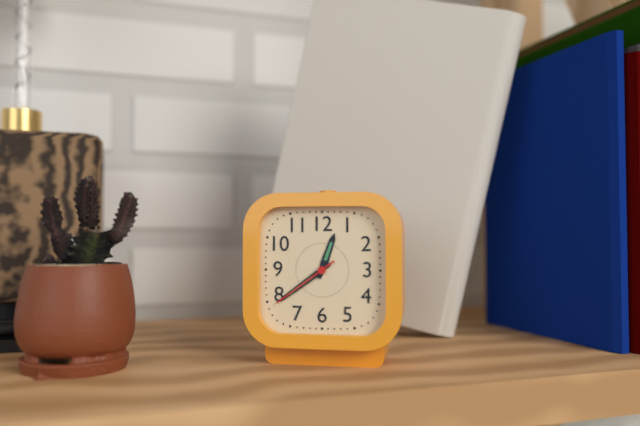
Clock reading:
{"hour": 12, "minute": 39, "second": 39}
